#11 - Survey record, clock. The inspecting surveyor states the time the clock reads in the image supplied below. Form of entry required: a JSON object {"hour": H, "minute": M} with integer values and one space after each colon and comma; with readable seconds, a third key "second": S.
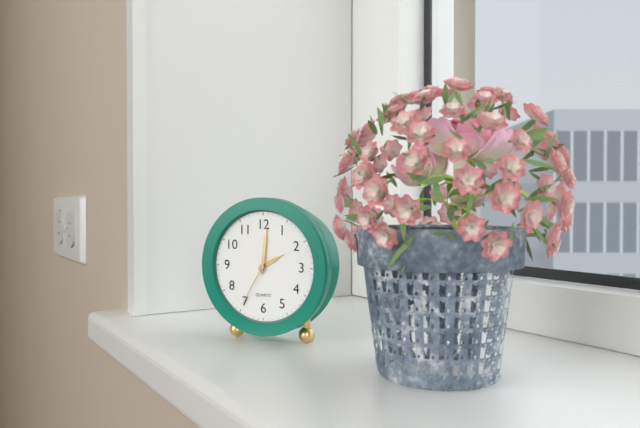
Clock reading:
{"hour": 2, "minute": 1, "second": 35}
